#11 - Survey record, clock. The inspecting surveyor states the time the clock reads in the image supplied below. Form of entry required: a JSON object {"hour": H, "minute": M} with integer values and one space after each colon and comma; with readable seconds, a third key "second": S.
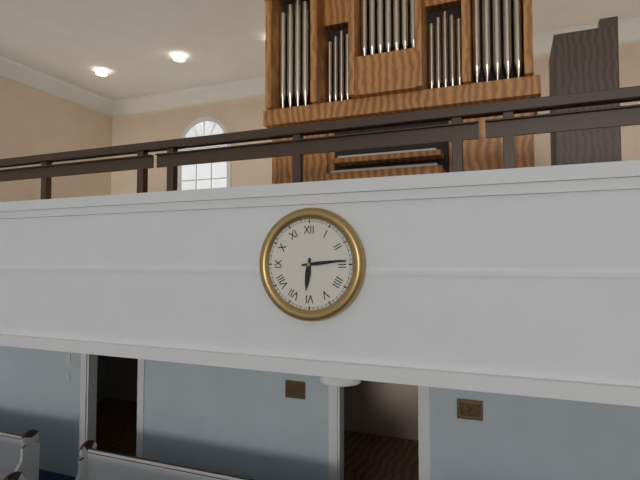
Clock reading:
{"hour": 6, "minute": 14}
